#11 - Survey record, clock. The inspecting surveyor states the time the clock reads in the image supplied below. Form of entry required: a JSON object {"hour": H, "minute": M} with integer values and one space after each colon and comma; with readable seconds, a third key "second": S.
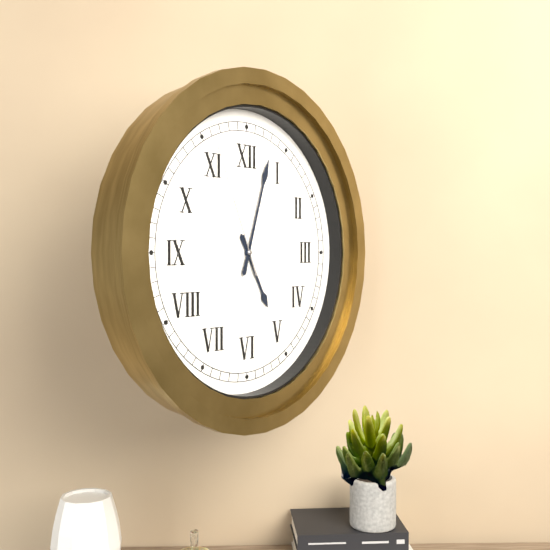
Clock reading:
{"hour": 5, "minute": 3, "second": 56}
